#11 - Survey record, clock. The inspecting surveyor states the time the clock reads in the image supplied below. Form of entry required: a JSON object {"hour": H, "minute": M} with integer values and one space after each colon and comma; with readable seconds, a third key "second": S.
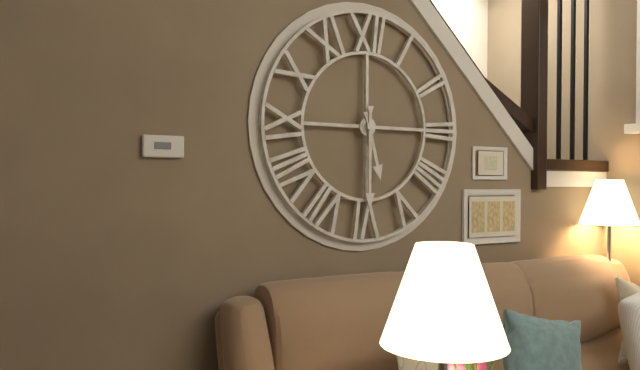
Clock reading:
{"hour": 5, "minute": 30}
